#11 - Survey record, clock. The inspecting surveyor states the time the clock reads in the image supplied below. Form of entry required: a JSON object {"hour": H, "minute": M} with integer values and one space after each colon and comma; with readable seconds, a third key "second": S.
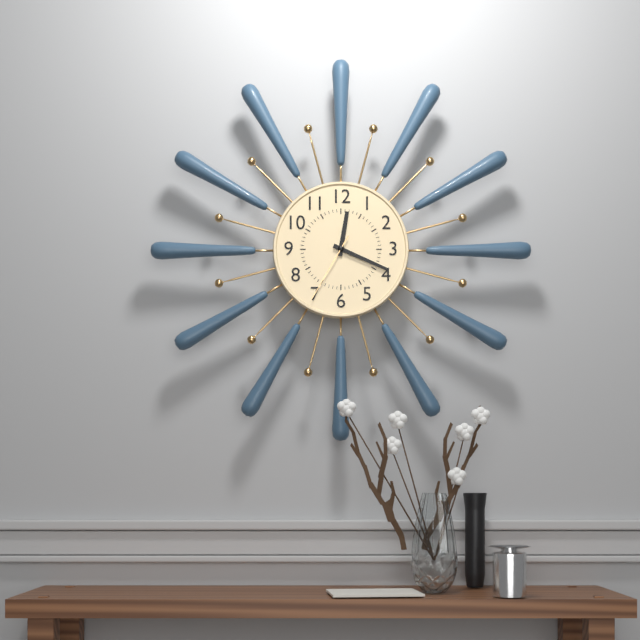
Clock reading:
{"hour": 12, "minute": 19, "second": 35}
